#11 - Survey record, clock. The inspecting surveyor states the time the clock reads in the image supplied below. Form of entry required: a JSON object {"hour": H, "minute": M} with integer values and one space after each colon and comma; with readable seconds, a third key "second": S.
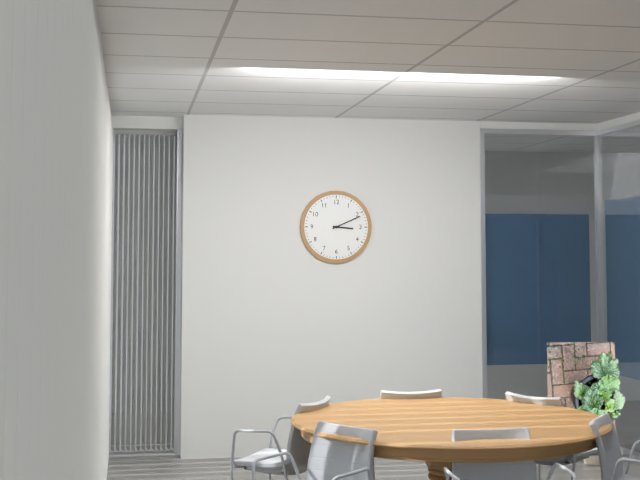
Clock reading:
{"hour": 3, "minute": 11}
